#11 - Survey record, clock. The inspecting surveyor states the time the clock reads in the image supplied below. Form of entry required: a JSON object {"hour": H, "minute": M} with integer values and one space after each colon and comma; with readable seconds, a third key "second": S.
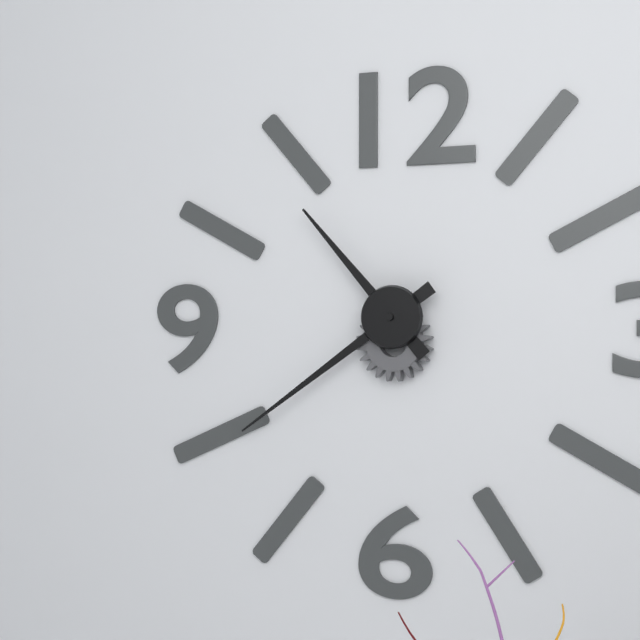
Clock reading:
{"hour": 10, "minute": 39}
